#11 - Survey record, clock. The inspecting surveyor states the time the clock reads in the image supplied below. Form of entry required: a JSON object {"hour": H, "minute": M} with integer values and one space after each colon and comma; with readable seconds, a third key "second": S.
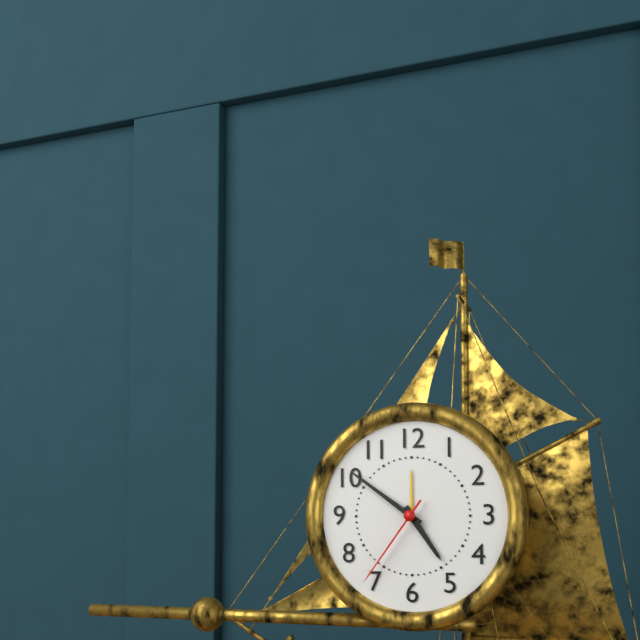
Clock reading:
{"hour": 4, "minute": 51, "second": 36}
